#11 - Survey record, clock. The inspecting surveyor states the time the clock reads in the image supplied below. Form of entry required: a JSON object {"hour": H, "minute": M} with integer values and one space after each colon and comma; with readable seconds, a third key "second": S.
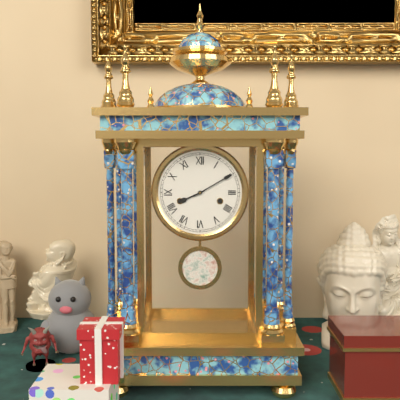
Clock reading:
{"hour": 8, "minute": 10}
